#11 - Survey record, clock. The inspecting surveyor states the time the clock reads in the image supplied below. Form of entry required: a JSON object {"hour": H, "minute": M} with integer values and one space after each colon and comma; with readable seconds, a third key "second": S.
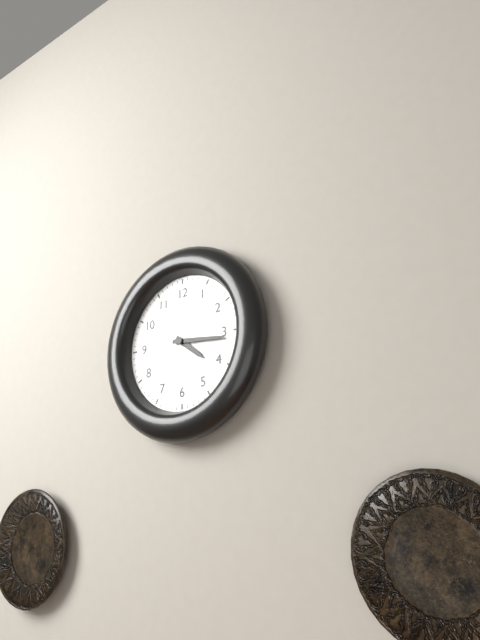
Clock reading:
{"hour": 4, "minute": 16}
